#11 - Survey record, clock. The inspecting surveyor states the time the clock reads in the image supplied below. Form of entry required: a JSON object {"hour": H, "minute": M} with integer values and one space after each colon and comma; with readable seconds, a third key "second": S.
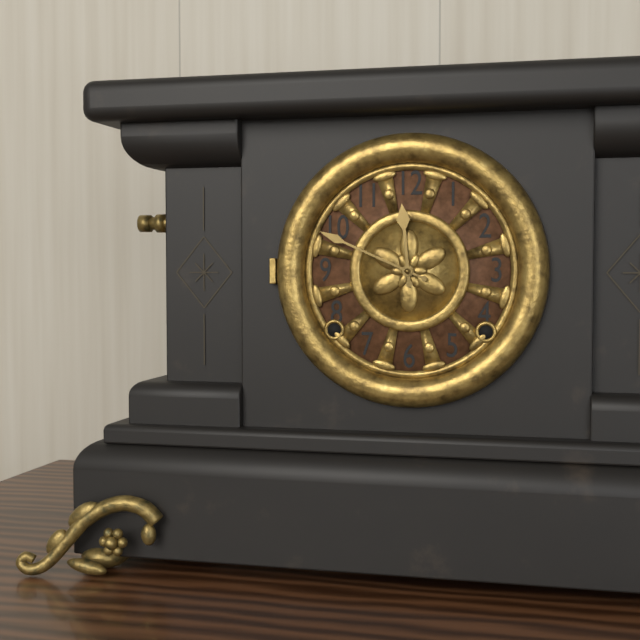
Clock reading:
{"hour": 11, "minute": 49}
